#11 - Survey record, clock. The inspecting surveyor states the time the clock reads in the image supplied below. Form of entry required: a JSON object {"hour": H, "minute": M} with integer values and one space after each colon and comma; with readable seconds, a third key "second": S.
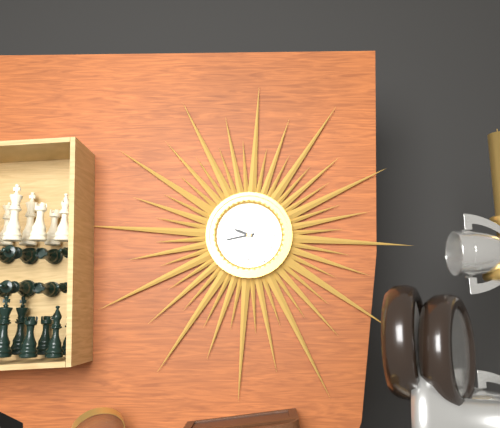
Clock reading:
{"hour": 9, "minute": 43}
